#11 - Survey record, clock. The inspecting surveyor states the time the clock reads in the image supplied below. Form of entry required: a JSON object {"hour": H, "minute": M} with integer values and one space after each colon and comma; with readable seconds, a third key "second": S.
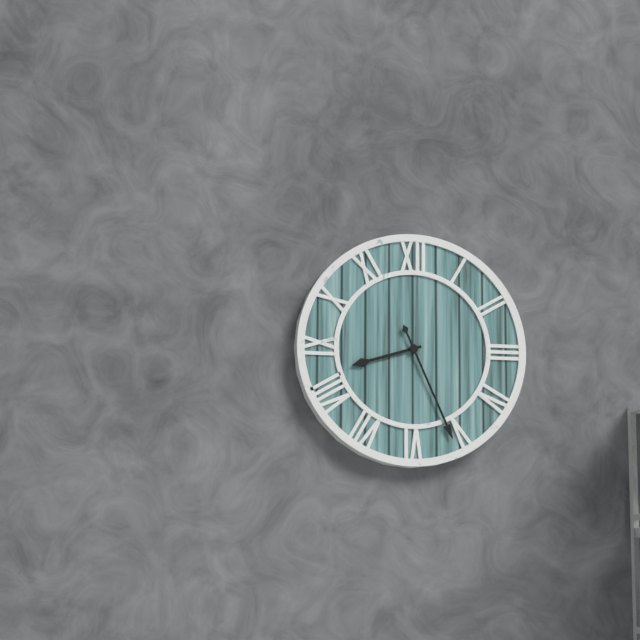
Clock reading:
{"hour": 8, "minute": 26}
